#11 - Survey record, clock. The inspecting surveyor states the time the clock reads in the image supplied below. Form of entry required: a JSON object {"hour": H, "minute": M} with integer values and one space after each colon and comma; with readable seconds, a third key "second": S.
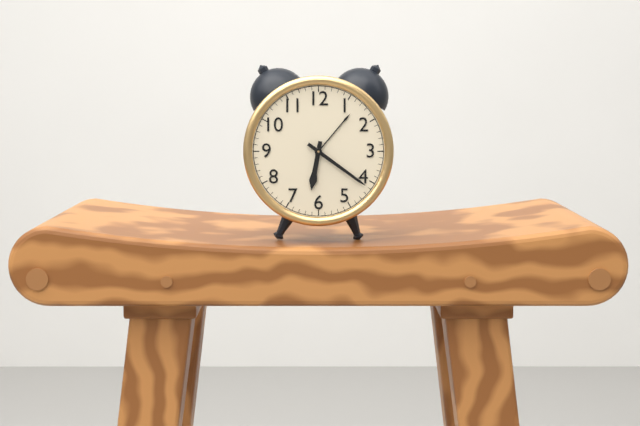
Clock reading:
{"hour": 6, "minute": 21}
